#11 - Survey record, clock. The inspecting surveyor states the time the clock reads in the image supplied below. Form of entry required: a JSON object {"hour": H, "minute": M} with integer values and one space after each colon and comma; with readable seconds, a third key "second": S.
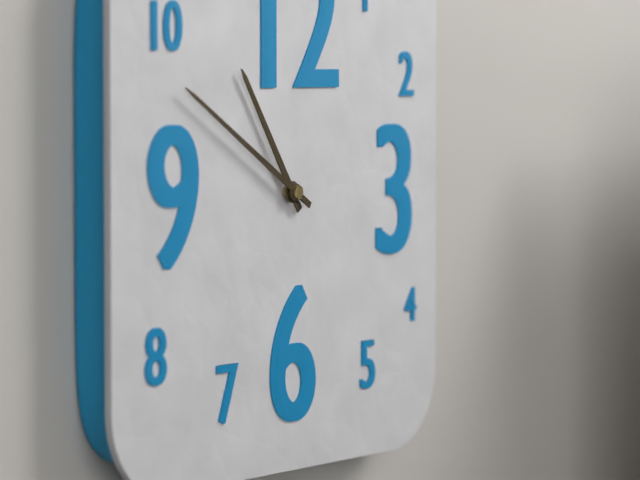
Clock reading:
{"hour": 10, "minute": 50}
